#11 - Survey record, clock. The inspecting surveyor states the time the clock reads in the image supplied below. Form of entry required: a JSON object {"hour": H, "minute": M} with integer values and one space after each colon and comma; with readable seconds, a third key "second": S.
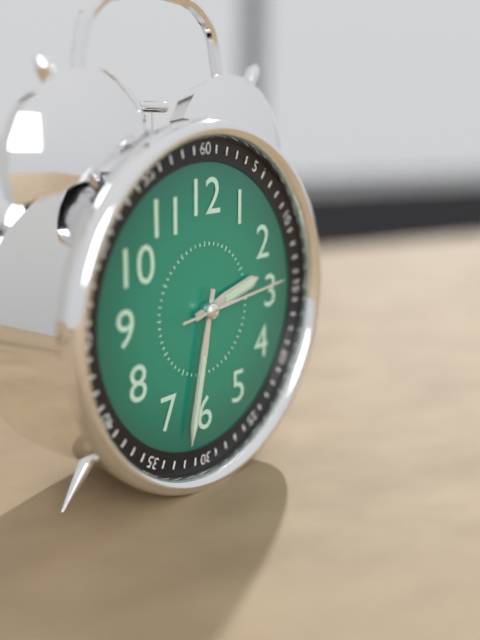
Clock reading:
{"hour": 2, "minute": 32, "second": 14}
